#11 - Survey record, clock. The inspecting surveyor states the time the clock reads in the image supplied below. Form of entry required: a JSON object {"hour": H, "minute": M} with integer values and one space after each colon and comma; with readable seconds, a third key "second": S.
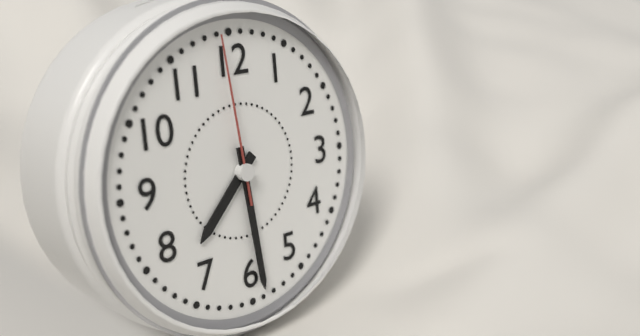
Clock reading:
{"hour": 7, "minute": 29, "second": 59}
